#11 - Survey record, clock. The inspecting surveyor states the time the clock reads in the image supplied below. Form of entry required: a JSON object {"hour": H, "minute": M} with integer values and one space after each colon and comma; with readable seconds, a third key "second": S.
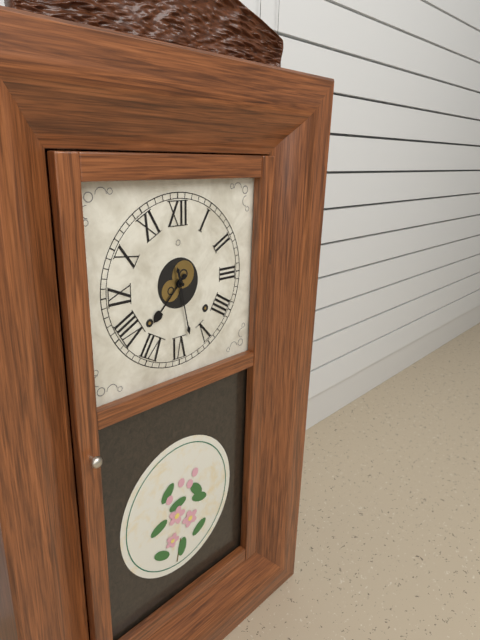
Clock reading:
{"hour": 7, "minute": 28}
